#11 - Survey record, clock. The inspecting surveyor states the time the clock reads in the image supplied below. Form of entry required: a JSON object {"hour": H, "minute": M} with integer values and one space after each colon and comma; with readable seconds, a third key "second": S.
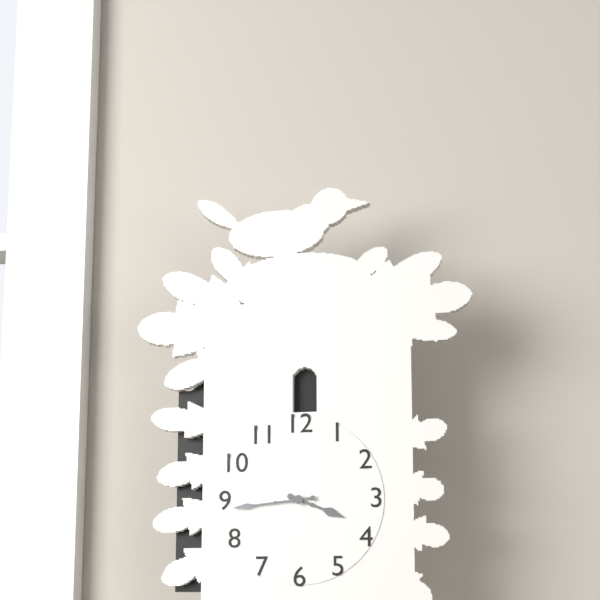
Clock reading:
{"hour": 3, "minute": 44}
